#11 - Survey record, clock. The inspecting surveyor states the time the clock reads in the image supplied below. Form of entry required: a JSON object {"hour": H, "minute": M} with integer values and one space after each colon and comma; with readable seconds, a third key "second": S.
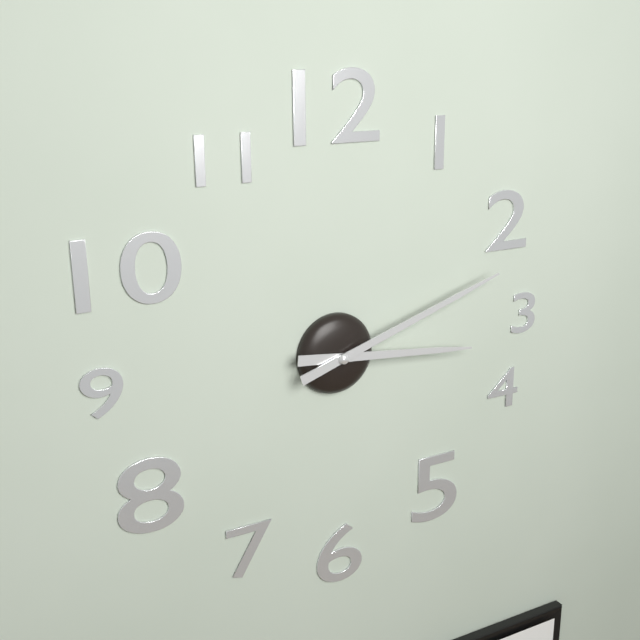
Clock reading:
{"hour": 3, "minute": 12}
